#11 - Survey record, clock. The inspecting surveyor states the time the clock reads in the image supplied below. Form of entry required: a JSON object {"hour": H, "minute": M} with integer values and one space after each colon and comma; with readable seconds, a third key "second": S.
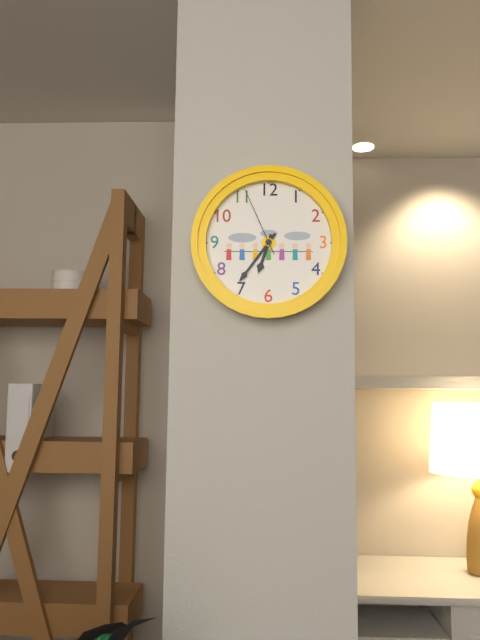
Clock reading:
{"hour": 6, "minute": 36, "second": 56}
